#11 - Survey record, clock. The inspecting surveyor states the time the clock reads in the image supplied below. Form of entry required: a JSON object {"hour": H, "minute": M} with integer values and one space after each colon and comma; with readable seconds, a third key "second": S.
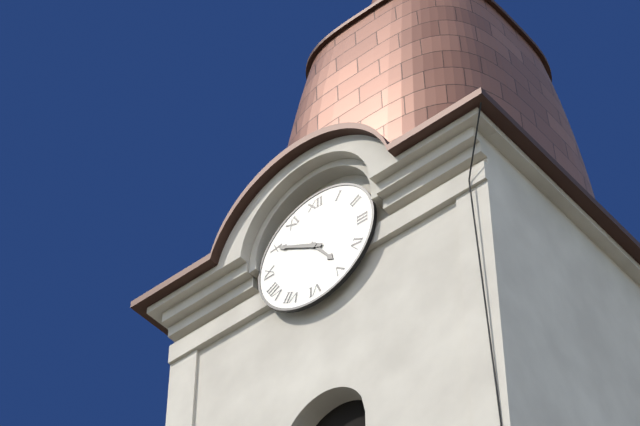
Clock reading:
{"hour": 4, "minute": 50}
